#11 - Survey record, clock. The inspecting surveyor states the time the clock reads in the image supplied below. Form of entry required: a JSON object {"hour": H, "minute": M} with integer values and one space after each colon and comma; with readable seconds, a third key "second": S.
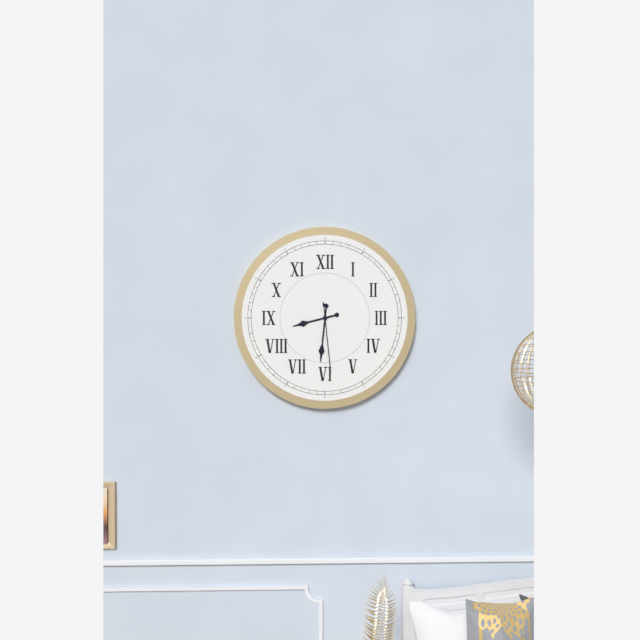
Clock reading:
{"hour": 8, "minute": 31, "second": 29}
